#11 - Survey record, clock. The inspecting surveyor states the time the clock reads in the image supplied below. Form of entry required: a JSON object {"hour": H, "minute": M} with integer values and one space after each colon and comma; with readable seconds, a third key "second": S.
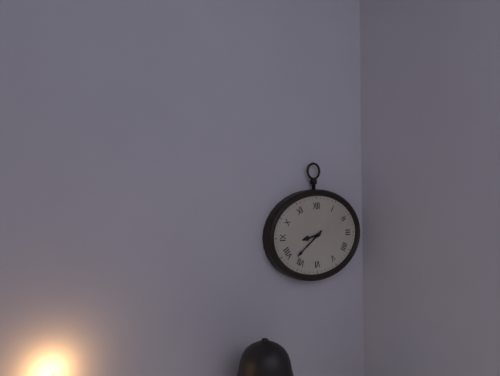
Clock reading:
{"hour": 8, "minute": 39}
